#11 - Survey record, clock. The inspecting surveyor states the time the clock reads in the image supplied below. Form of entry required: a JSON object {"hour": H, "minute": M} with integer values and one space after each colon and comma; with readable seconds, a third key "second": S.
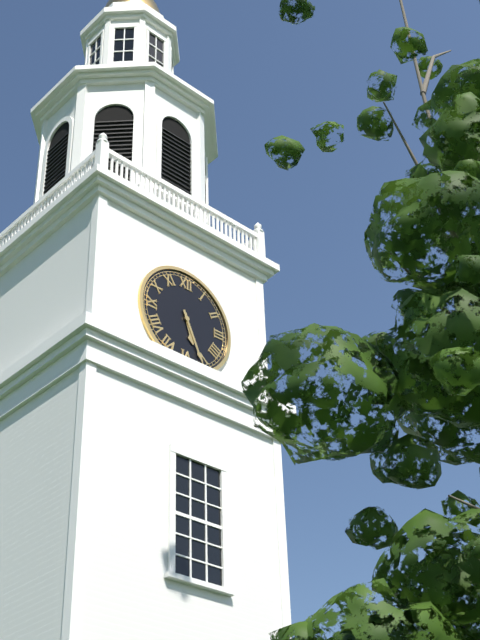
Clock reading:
{"hour": 5, "minute": 26}
